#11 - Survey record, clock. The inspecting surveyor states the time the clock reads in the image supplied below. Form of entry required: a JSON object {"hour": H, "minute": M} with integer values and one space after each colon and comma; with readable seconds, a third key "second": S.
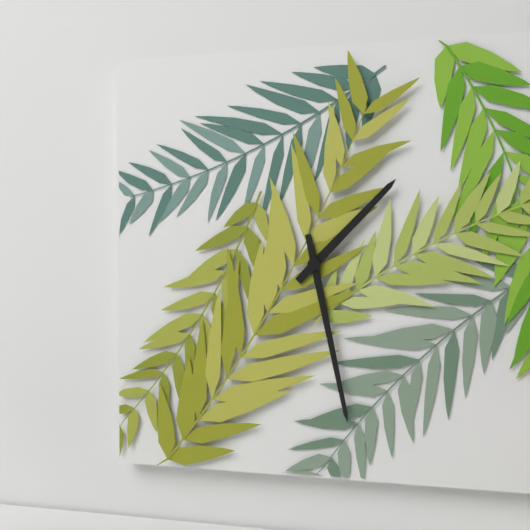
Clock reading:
{"hour": 1, "minute": 28}
